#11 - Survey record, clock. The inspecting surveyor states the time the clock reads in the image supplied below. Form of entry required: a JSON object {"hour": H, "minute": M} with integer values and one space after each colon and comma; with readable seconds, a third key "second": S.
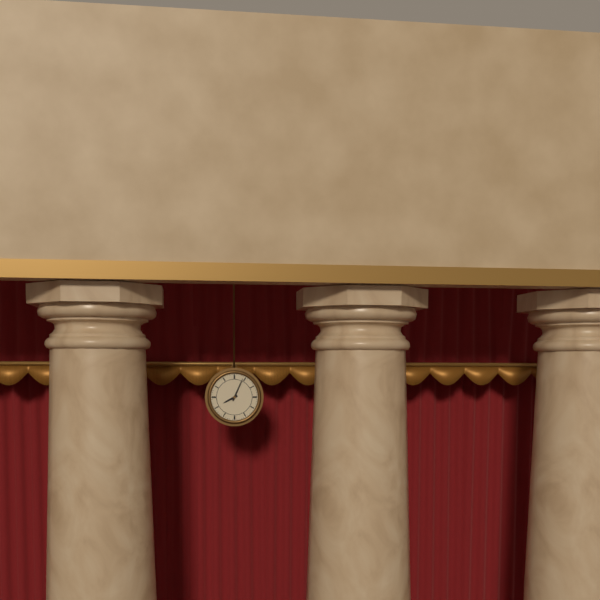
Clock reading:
{"hour": 8, "minute": 4}
